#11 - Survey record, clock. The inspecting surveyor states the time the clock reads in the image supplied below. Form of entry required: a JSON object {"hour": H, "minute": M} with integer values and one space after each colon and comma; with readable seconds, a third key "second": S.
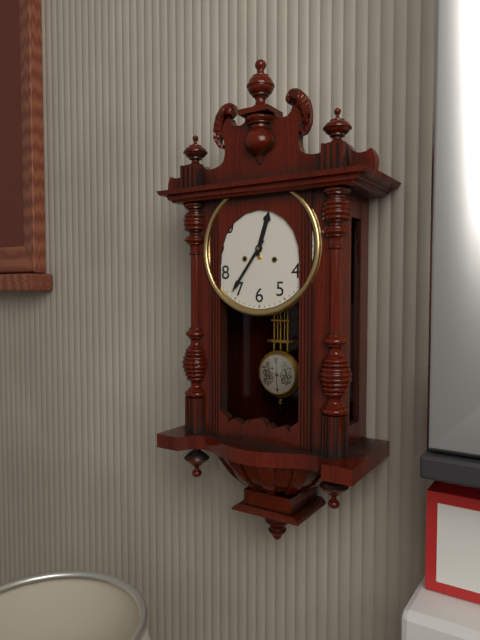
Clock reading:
{"hour": 12, "minute": 36}
